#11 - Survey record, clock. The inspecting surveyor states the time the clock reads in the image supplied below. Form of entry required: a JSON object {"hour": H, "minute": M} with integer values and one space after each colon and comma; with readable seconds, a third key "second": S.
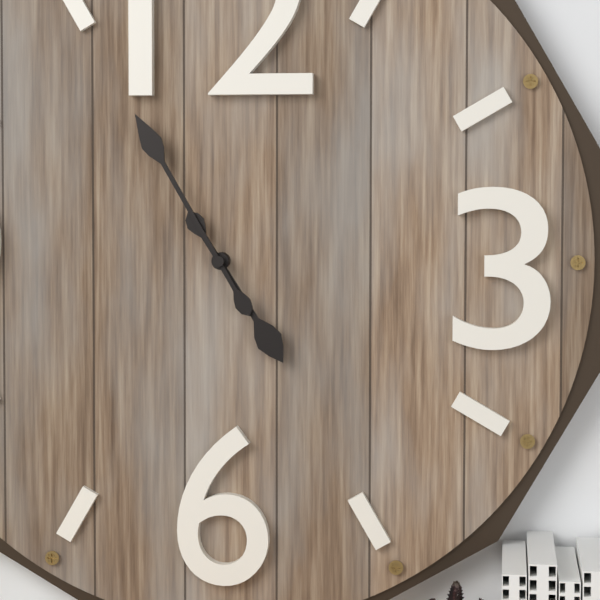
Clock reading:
{"hour": 4, "minute": 55}
